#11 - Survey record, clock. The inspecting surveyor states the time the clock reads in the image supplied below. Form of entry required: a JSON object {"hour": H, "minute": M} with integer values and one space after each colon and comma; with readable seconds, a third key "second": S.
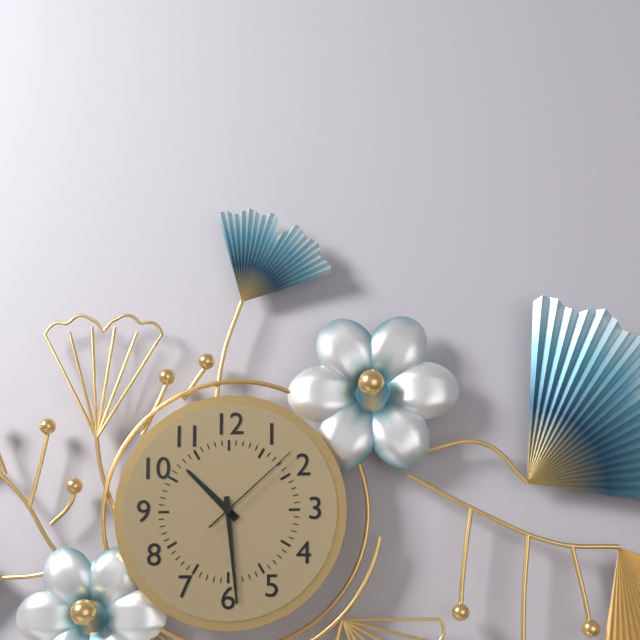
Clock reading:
{"hour": 10, "minute": 29, "second": 8}
